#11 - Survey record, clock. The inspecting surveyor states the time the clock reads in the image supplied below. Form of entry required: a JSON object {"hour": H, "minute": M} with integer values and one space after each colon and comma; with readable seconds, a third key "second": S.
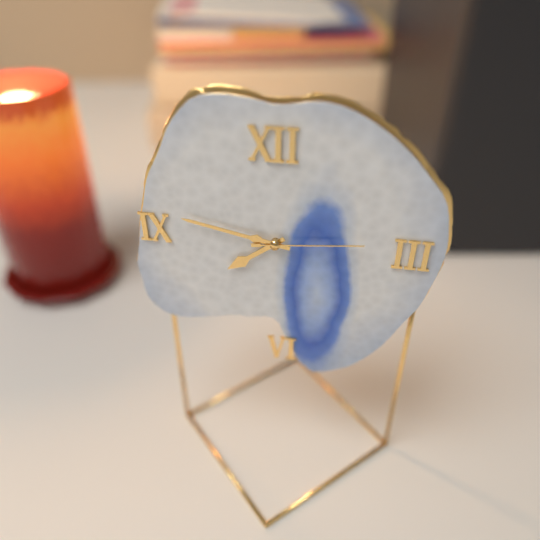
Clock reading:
{"hour": 7, "minute": 47, "second": 14}
